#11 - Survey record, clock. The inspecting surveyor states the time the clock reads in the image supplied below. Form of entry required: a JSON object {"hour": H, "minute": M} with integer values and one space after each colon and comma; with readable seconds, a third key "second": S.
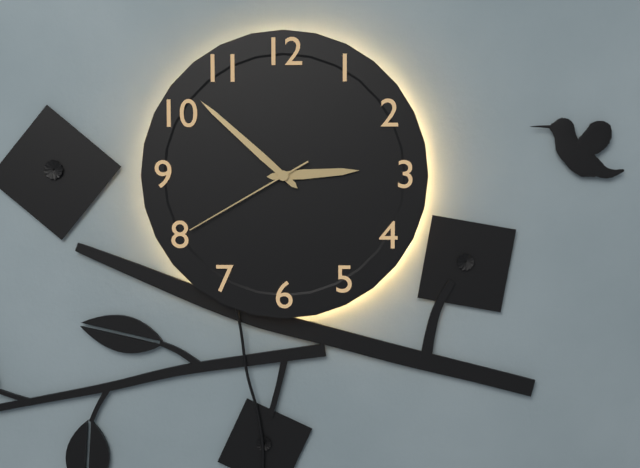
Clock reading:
{"hour": 2, "minute": 52, "second": 40}
